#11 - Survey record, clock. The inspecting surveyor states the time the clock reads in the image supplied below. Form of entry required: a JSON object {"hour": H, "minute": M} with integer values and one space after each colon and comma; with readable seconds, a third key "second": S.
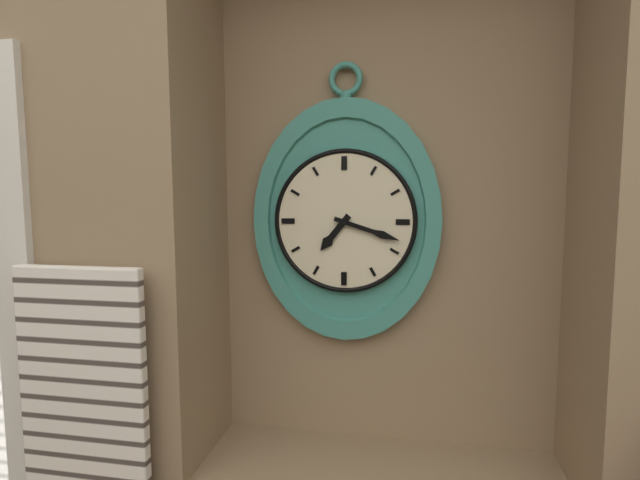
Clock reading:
{"hour": 7, "minute": 18}
